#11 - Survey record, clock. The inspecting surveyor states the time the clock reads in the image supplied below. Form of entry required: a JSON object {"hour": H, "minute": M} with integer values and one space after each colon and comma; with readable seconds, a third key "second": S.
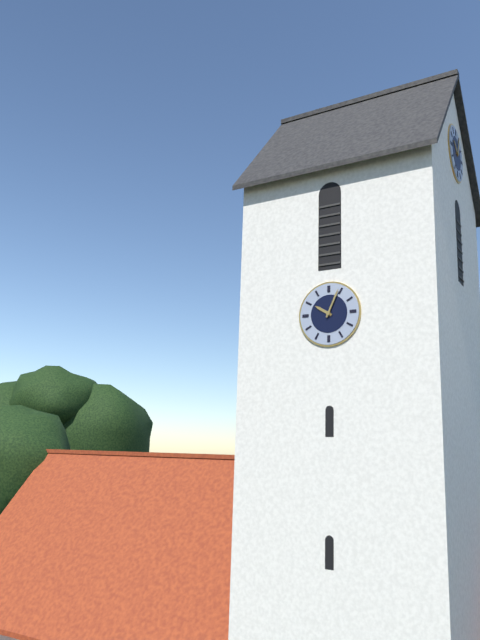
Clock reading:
{"hour": 10, "minute": 4}
